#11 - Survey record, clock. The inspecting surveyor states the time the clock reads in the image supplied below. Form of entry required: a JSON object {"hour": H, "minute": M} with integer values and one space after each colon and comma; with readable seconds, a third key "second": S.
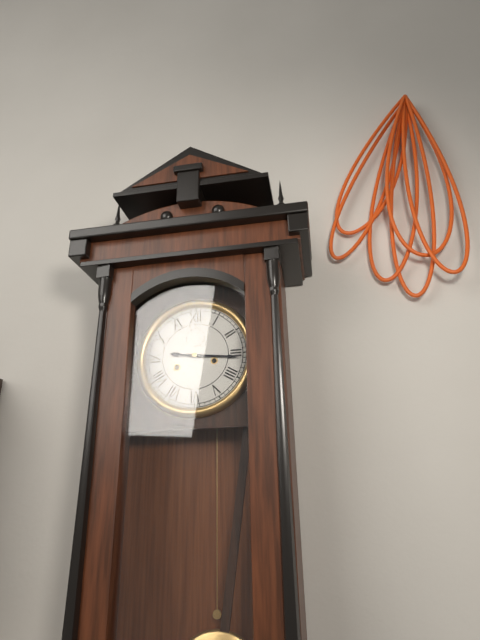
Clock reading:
{"hour": 9, "minute": 16}
